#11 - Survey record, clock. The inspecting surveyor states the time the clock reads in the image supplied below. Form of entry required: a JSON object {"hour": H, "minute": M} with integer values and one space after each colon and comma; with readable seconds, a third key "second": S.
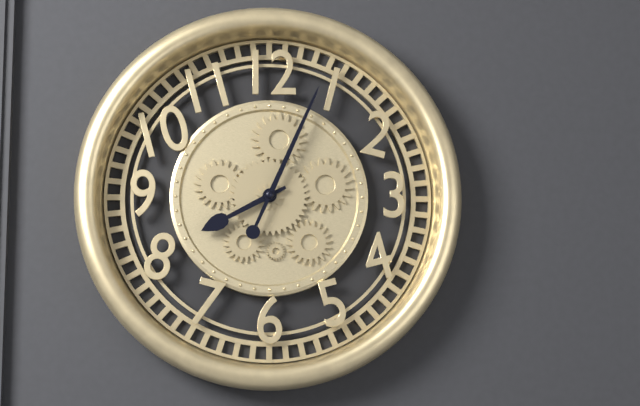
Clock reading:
{"hour": 8, "minute": 4}
